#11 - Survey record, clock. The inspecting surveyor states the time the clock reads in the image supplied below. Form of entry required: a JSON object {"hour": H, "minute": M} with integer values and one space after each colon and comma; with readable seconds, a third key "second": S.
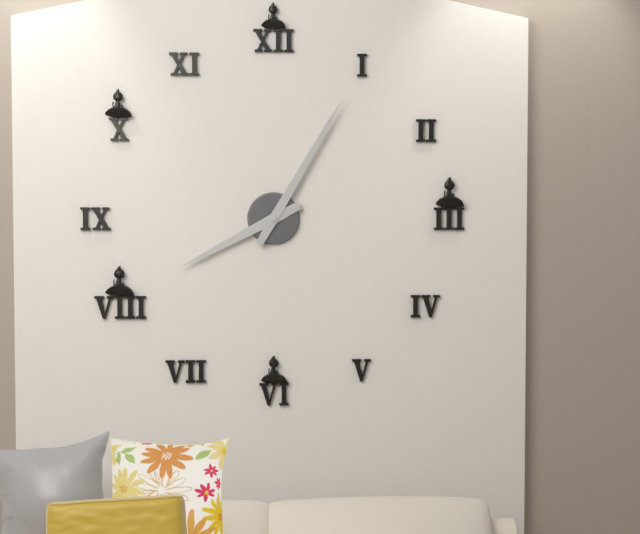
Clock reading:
{"hour": 8, "minute": 5}
